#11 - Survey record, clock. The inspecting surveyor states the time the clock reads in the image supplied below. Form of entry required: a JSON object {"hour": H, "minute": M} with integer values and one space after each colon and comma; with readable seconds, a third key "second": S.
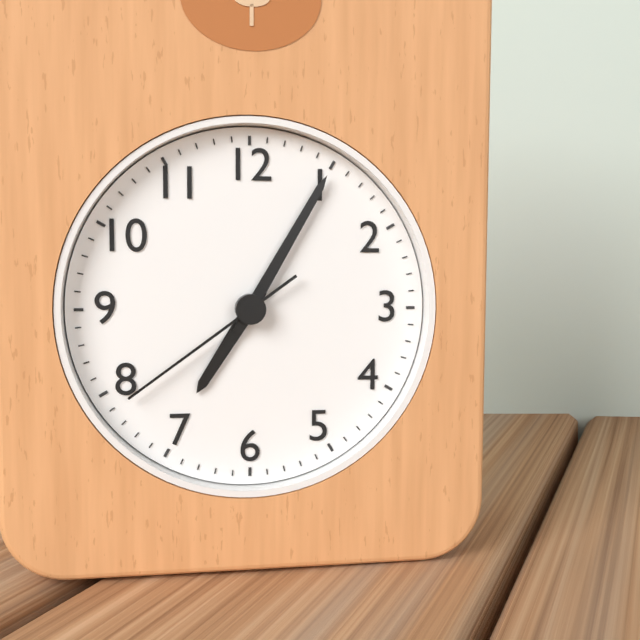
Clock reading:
{"hour": 7, "minute": 5, "second": 39}
